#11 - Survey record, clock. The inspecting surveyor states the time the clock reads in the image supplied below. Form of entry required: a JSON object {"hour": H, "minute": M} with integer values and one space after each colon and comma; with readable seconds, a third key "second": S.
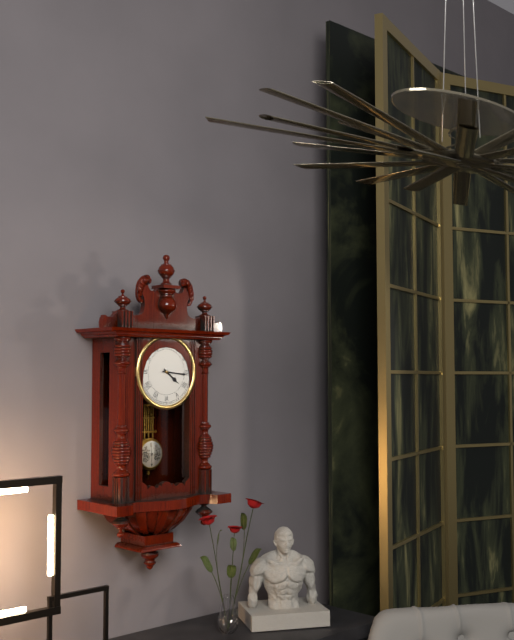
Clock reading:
{"hour": 4, "minute": 16}
